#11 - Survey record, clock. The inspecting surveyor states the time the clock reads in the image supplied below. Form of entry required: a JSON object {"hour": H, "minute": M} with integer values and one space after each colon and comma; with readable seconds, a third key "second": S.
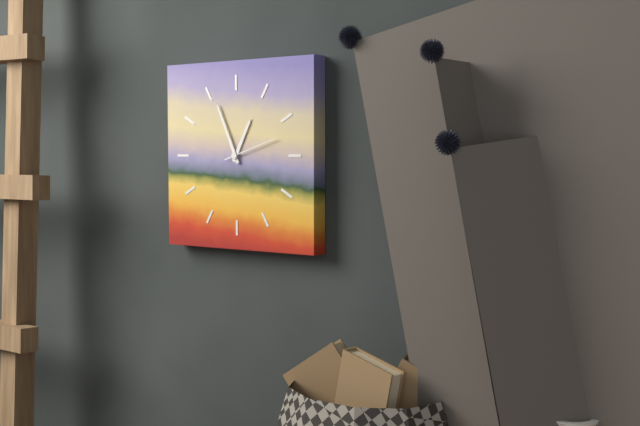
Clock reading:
{"hour": 12, "minute": 56, "second": 12}
